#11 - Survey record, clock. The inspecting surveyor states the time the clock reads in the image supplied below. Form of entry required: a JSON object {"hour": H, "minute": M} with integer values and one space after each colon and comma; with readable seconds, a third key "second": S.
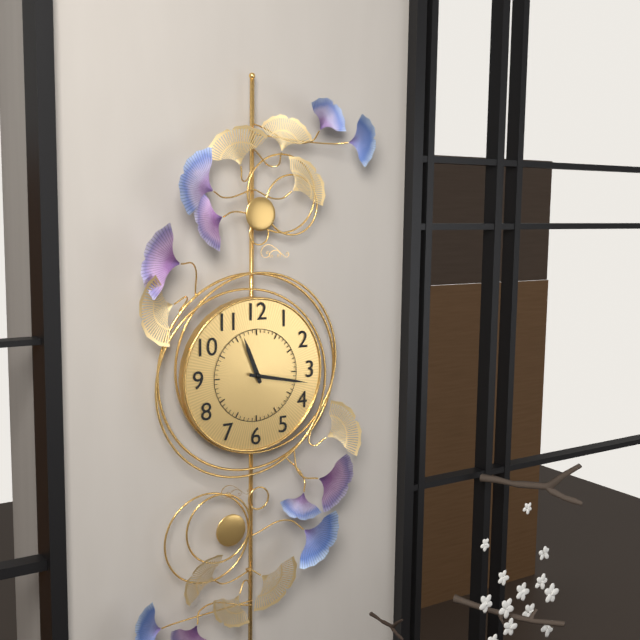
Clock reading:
{"hour": 11, "minute": 17}
